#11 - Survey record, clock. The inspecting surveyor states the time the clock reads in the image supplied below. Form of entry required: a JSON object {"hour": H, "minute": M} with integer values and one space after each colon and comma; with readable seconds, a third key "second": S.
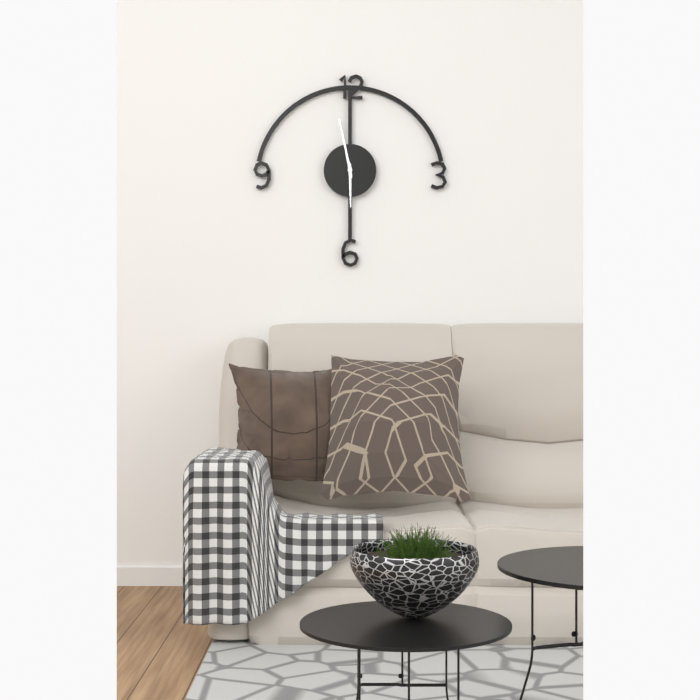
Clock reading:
{"hour": 5, "minute": 58}
